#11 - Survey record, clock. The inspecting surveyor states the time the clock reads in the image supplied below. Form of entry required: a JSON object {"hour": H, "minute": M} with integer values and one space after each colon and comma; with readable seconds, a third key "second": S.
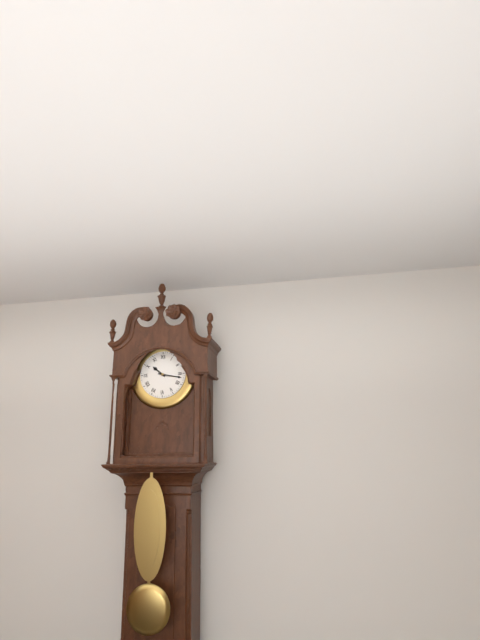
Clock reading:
{"hour": 10, "minute": 17}
